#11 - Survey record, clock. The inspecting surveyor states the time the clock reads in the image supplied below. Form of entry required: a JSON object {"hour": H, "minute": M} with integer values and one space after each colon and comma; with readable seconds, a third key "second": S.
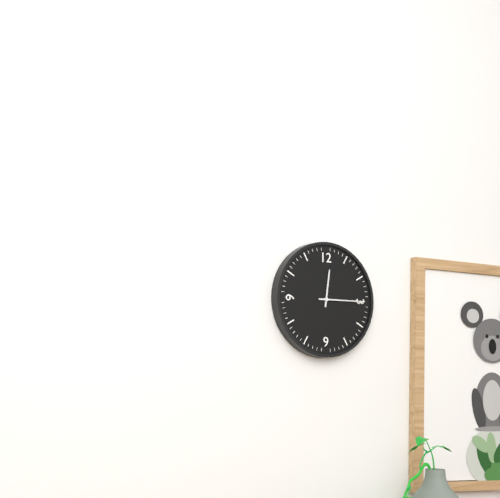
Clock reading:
{"hour": 12, "minute": 15}
